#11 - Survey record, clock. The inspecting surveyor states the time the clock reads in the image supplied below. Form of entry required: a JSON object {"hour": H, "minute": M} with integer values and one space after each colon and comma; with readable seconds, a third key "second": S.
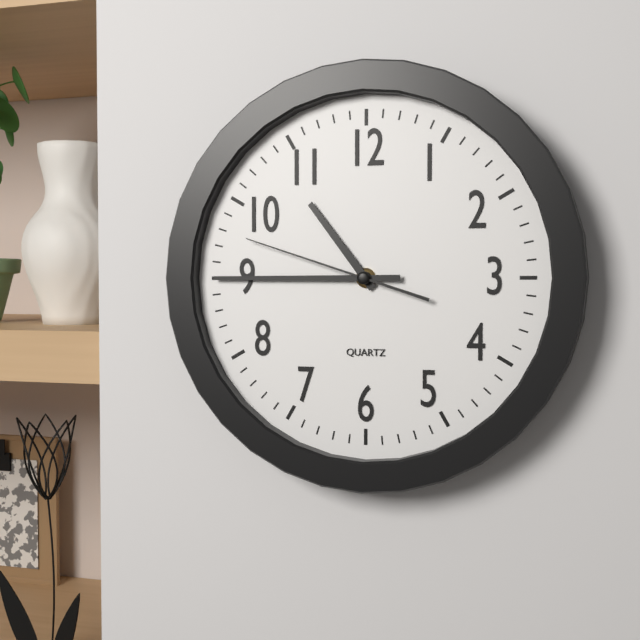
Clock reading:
{"hour": 10, "minute": 45, "second": 48}
